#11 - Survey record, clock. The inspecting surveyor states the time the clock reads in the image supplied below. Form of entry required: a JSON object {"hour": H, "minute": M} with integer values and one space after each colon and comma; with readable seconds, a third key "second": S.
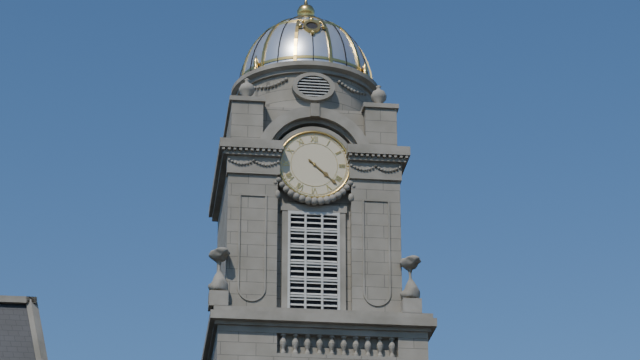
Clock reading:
{"hour": 4, "minute": 22}
